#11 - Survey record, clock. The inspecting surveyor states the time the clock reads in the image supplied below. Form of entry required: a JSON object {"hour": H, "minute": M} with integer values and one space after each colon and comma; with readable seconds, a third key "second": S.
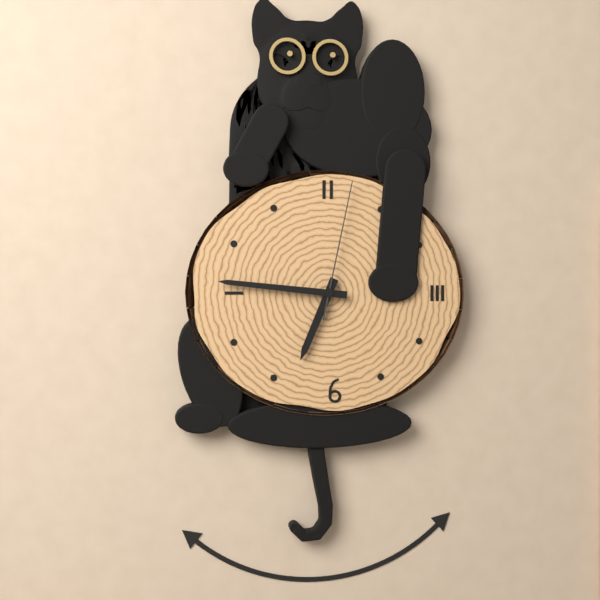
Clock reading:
{"hour": 6, "minute": 46, "second": 2}
